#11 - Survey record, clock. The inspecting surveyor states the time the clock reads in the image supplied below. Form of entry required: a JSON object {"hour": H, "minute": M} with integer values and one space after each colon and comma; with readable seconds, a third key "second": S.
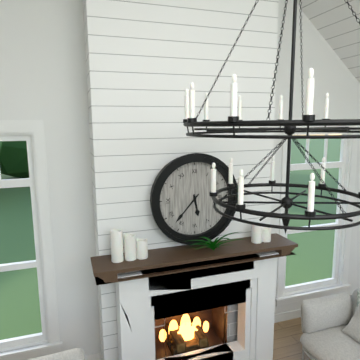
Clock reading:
{"hour": 5, "minute": 37}
